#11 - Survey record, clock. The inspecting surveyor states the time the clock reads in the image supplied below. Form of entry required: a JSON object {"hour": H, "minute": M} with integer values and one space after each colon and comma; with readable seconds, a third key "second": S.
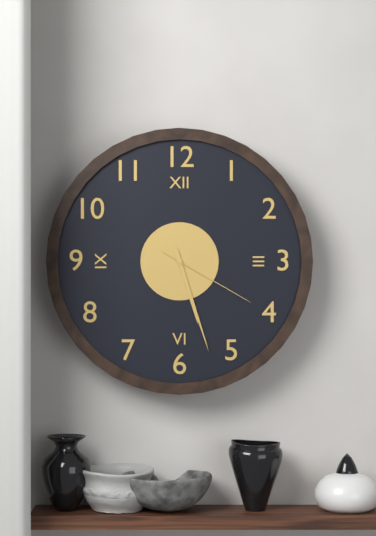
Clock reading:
{"hour": 5, "minute": 27, "second": 20}
